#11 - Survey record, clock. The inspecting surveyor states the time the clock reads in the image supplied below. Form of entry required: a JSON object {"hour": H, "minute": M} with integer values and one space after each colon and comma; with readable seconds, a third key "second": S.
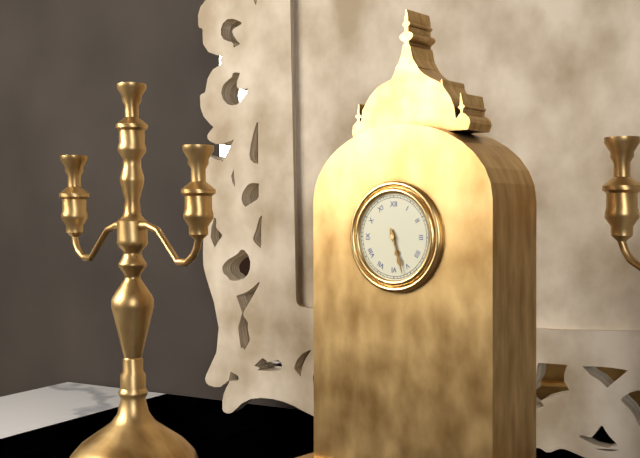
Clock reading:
{"hour": 5, "minute": 27}
